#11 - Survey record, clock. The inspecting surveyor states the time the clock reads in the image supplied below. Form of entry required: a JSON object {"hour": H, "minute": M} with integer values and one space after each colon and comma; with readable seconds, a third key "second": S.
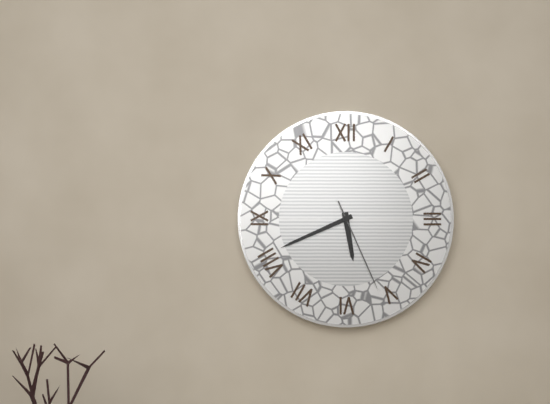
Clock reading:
{"hour": 5, "minute": 41, "second": 26}
